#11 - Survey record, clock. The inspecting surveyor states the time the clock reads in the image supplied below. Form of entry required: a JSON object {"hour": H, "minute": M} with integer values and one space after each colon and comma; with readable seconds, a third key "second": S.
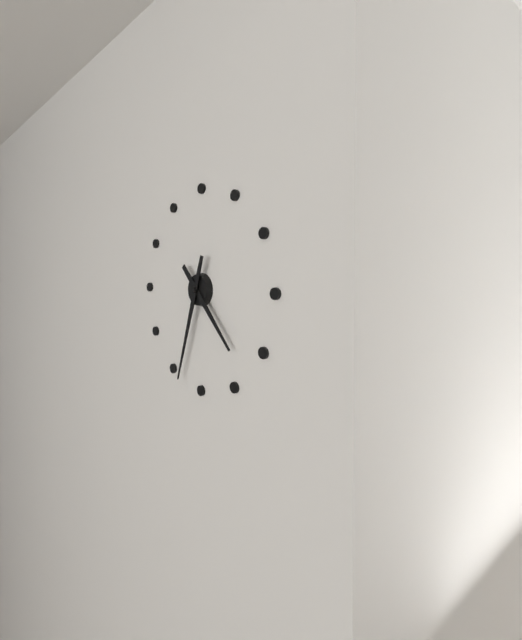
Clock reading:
{"hour": 4, "minute": 33}
